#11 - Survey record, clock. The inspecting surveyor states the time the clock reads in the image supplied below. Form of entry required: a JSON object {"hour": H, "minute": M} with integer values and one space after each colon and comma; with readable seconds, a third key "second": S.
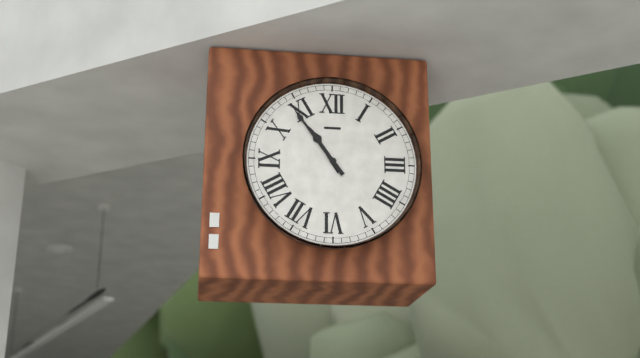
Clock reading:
{"hour": 10, "minute": 54}
